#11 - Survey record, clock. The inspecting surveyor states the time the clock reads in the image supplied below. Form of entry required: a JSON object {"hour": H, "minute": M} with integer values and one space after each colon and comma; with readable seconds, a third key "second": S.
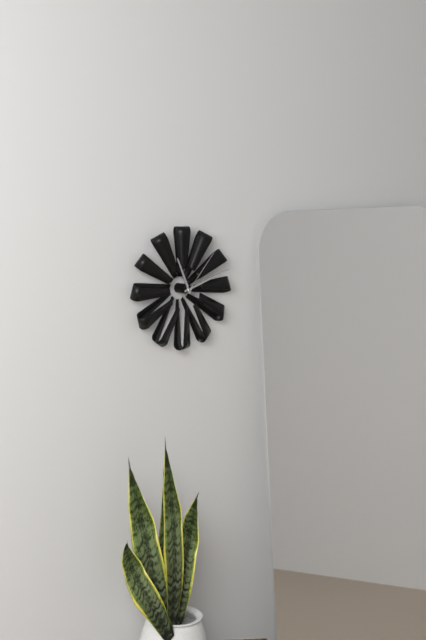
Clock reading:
{"hour": 11, "minute": 12, "second": 7}
